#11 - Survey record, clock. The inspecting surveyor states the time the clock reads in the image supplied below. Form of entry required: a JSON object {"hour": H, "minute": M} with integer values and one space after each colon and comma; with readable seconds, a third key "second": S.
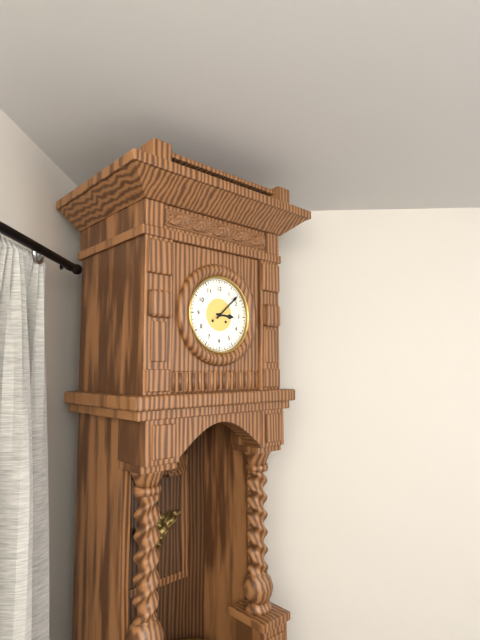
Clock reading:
{"hour": 3, "minute": 8}
